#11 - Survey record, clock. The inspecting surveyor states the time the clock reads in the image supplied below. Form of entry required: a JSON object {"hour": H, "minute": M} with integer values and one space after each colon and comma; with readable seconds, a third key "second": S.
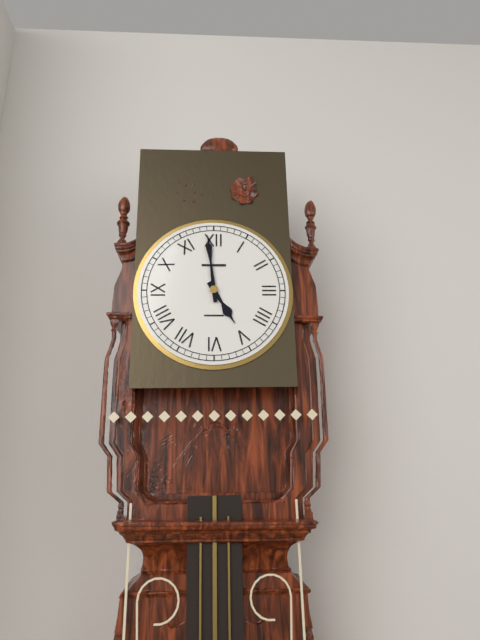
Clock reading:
{"hour": 4, "minute": 59}
